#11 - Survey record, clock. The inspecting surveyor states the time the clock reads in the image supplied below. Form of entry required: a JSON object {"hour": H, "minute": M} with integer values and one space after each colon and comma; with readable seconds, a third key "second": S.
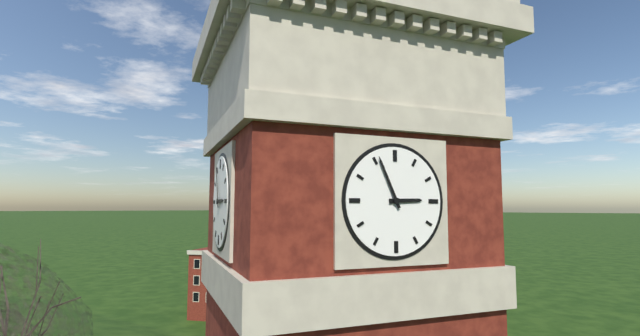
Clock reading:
{"hour": 2, "minute": 56}
